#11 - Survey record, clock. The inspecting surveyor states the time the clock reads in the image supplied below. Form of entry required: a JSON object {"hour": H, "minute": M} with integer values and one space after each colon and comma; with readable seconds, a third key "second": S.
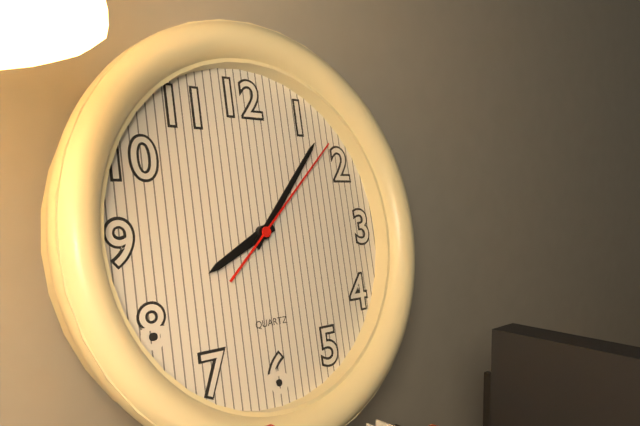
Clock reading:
{"hour": 8, "minute": 7, "second": 8}
